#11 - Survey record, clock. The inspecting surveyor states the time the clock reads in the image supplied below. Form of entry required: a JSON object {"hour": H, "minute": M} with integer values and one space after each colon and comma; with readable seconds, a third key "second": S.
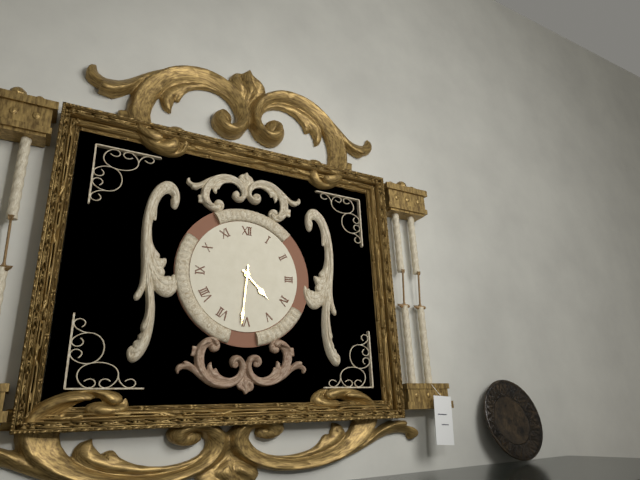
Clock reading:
{"hour": 4, "minute": 31}
